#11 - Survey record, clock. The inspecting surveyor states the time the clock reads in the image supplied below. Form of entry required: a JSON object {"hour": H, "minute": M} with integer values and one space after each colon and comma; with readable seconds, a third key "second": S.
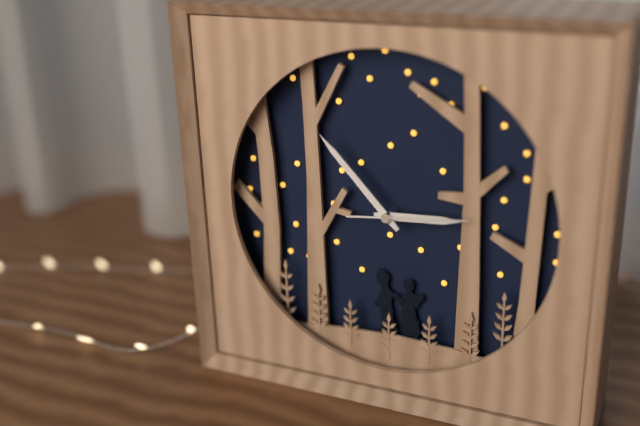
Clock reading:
{"hour": 2, "minute": 53, "second": 14}
